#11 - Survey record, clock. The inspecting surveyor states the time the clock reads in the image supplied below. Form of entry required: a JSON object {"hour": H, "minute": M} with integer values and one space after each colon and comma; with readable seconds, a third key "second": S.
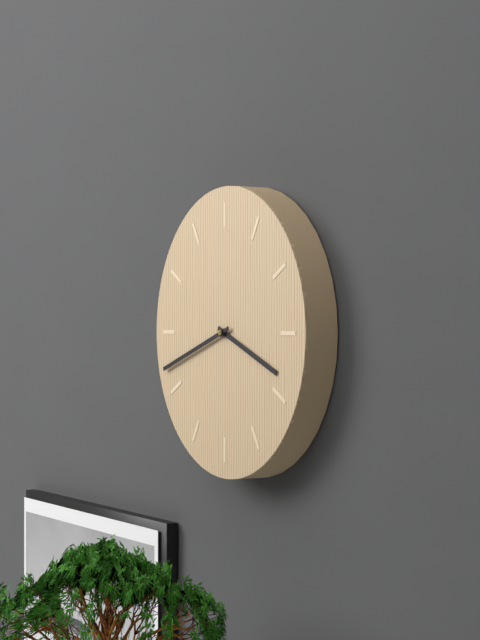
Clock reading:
{"hour": 3, "minute": 42}
